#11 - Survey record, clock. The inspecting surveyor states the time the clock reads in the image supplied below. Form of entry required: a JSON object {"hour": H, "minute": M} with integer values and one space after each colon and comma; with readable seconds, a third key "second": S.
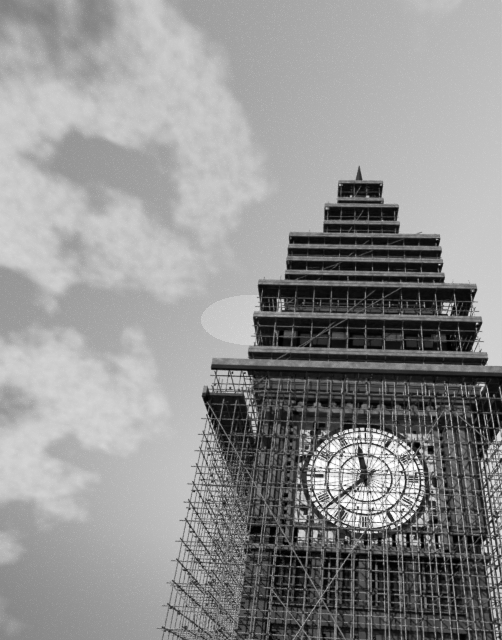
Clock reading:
{"hour": 11, "minute": 38}
